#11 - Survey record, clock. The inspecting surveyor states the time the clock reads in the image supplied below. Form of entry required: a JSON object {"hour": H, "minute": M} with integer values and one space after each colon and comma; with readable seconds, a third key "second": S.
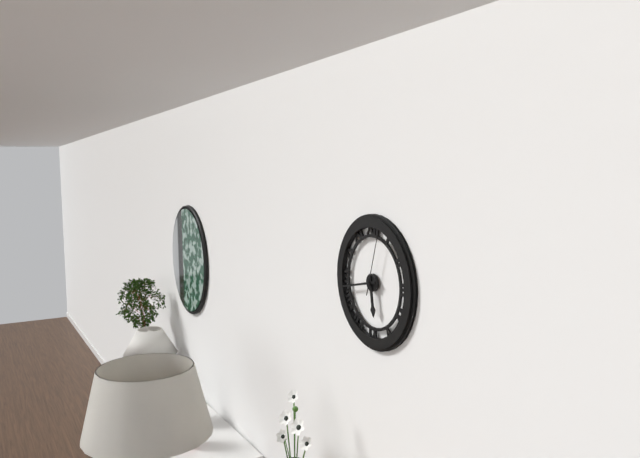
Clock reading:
{"hour": 5, "minute": 43, "second": 3}
